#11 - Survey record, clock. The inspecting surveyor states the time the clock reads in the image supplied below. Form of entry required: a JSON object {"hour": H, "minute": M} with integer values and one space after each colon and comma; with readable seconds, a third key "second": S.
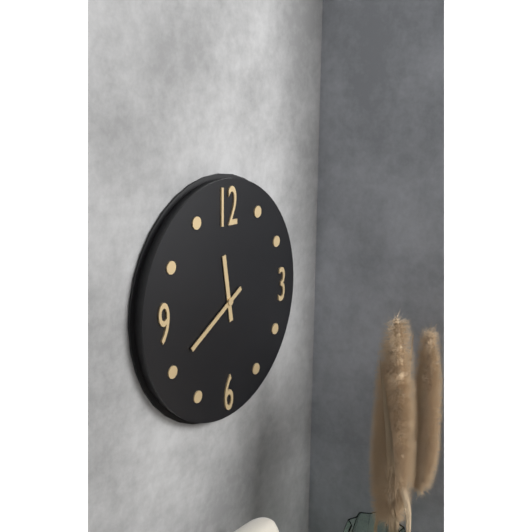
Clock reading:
{"hour": 11, "minute": 40}
